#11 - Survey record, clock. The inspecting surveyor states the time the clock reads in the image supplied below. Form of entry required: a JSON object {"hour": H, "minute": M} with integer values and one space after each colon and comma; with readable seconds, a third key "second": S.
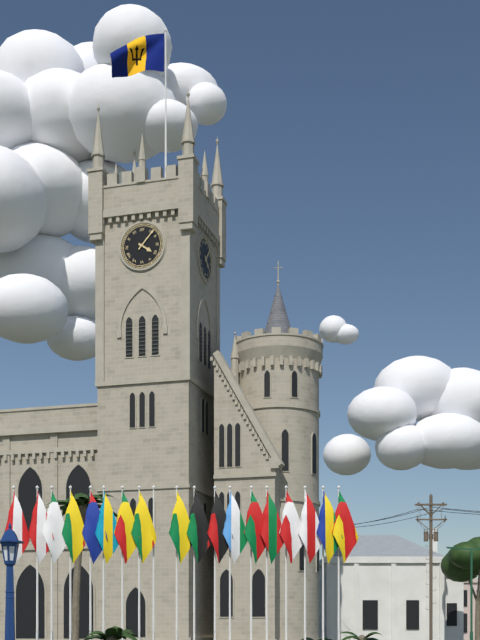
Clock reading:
{"hour": 4, "minute": 7}
